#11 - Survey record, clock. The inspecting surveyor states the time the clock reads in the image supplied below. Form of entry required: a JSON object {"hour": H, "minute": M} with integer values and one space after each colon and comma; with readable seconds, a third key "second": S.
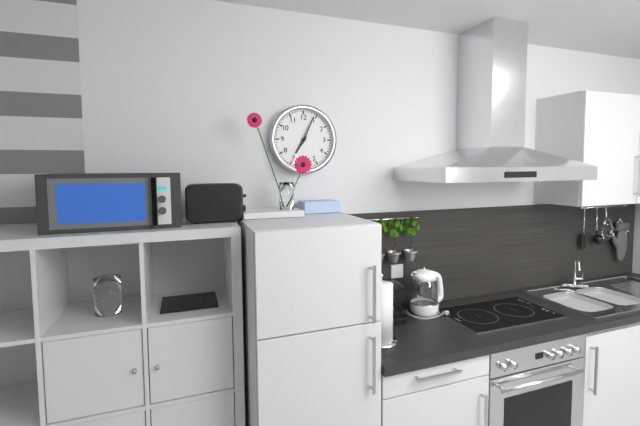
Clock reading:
{"hour": 7, "minute": 4}
